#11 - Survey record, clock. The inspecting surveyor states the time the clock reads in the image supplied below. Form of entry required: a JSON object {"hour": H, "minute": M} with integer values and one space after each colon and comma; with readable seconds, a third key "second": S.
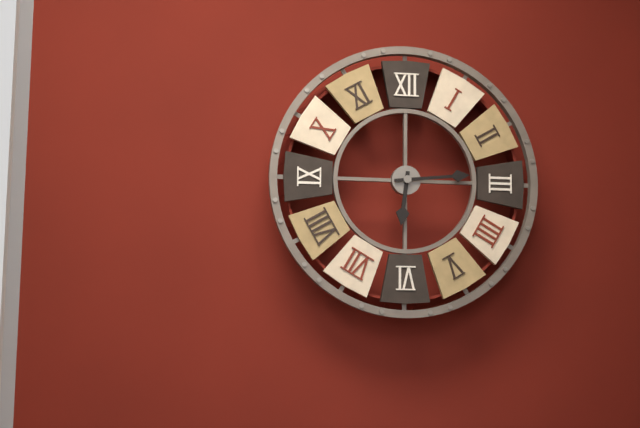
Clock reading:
{"hour": 6, "minute": 14}
